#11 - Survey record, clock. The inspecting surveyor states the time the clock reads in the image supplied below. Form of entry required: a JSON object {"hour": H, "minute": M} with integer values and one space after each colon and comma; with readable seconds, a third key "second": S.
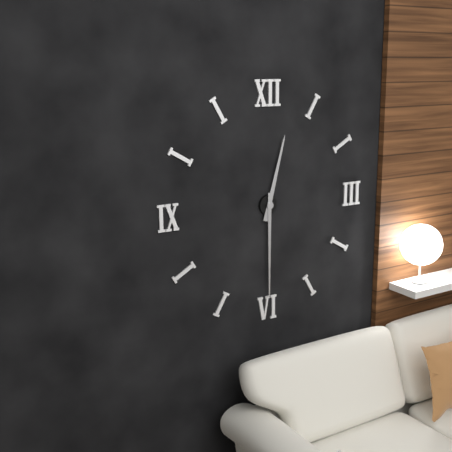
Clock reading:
{"hour": 12, "minute": 30}
